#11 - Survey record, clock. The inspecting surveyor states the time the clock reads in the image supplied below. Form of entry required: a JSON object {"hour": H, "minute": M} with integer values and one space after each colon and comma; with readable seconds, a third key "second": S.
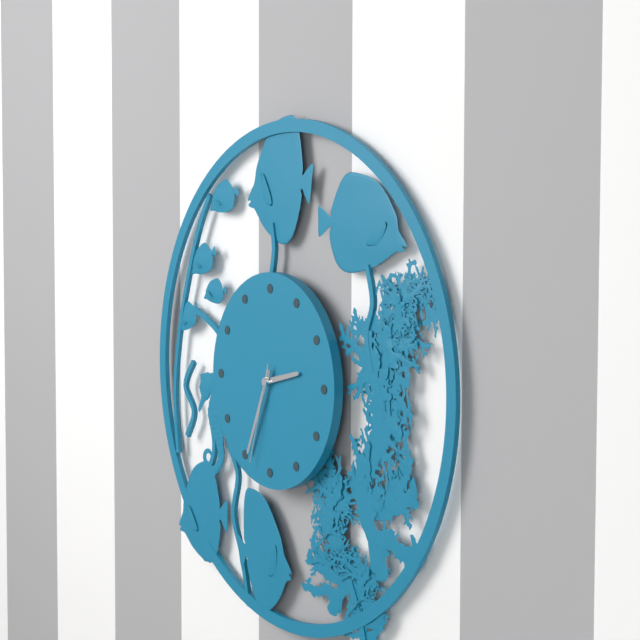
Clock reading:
{"hour": 2, "minute": 34, "second": 33}
